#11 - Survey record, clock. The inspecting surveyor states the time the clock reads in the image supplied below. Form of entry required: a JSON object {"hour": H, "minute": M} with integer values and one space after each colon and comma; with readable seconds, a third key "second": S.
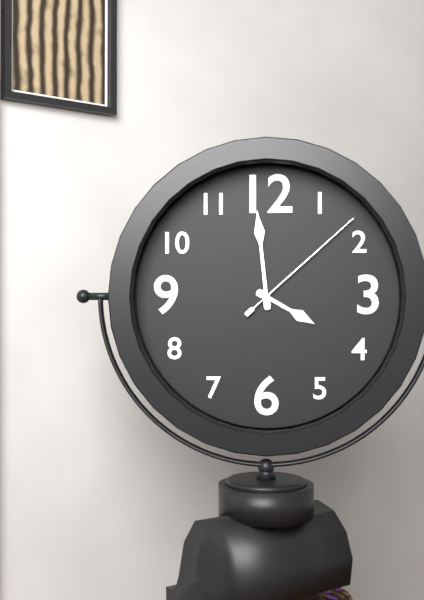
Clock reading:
{"hour": 3, "minute": 59, "second": 8}
